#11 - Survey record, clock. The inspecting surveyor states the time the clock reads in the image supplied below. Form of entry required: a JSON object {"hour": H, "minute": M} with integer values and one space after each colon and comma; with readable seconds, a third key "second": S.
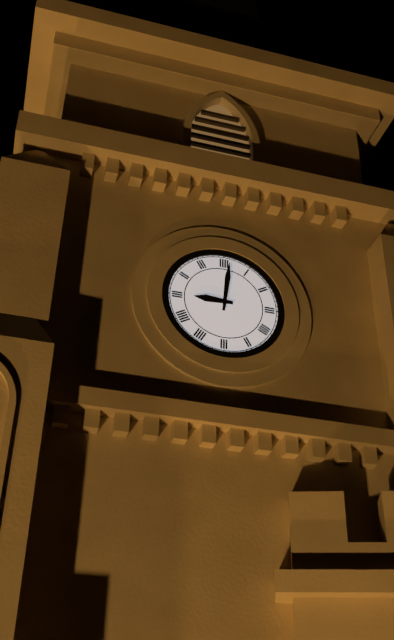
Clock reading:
{"hour": 9, "minute": 1}
